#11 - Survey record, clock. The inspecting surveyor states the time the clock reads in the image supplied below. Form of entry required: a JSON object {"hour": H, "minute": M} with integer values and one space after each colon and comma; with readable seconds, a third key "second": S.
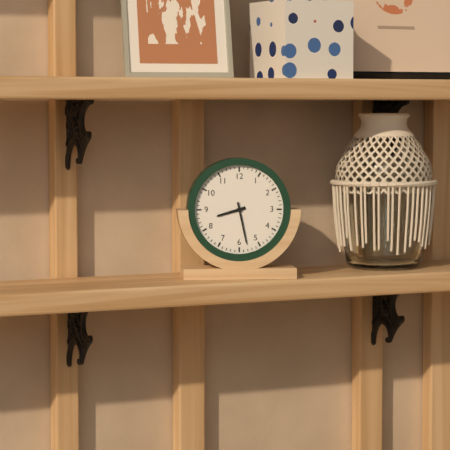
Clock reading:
{"hour": 8, "minute": 28}
